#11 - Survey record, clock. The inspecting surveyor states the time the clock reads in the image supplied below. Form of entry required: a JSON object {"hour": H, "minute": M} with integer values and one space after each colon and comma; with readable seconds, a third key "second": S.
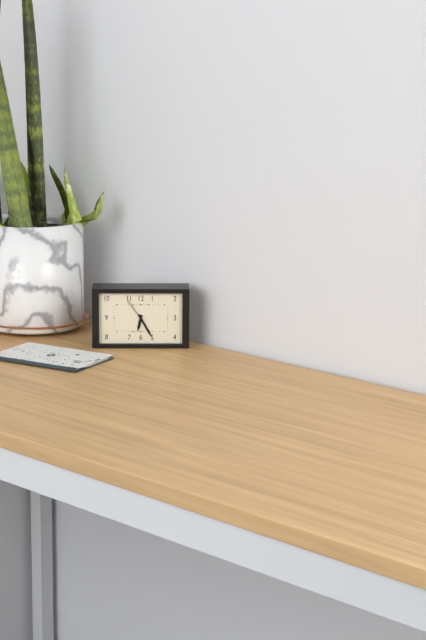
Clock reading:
{"hour": 6, "minute": 25}
